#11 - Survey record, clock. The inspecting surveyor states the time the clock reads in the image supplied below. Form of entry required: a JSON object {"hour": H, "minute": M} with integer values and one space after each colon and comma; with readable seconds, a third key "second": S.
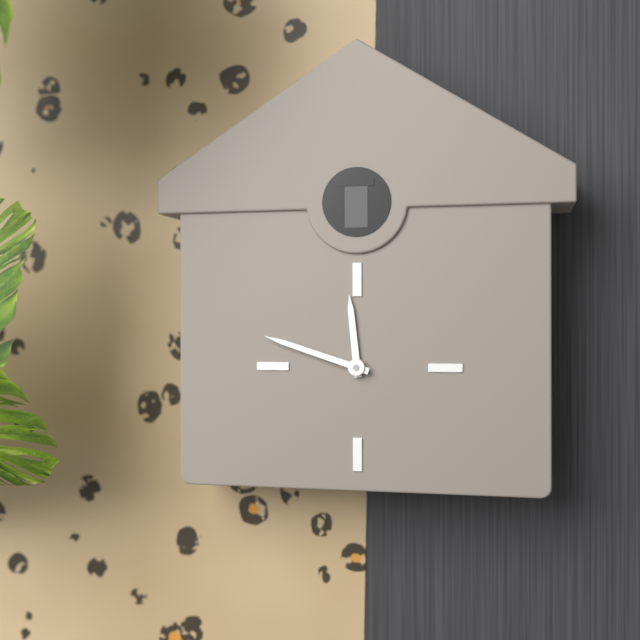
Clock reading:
{"hour": 11, "minute": 48}
